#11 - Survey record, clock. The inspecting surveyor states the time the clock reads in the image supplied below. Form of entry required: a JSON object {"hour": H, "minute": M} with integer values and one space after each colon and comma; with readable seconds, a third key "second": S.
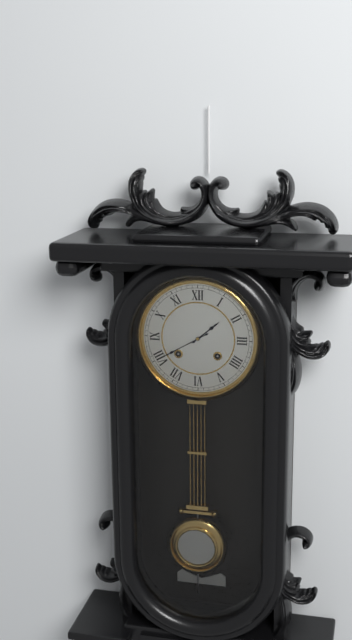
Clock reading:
{"hour": 1, "minute": 40}
